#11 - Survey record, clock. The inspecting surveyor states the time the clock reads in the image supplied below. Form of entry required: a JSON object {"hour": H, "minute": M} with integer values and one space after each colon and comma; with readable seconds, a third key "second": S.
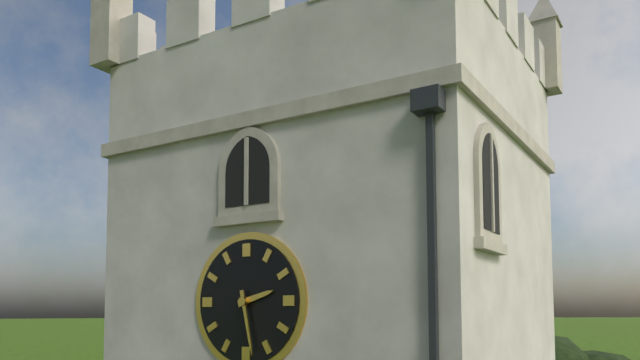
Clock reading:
{"hour": 2, "minute": 28}
